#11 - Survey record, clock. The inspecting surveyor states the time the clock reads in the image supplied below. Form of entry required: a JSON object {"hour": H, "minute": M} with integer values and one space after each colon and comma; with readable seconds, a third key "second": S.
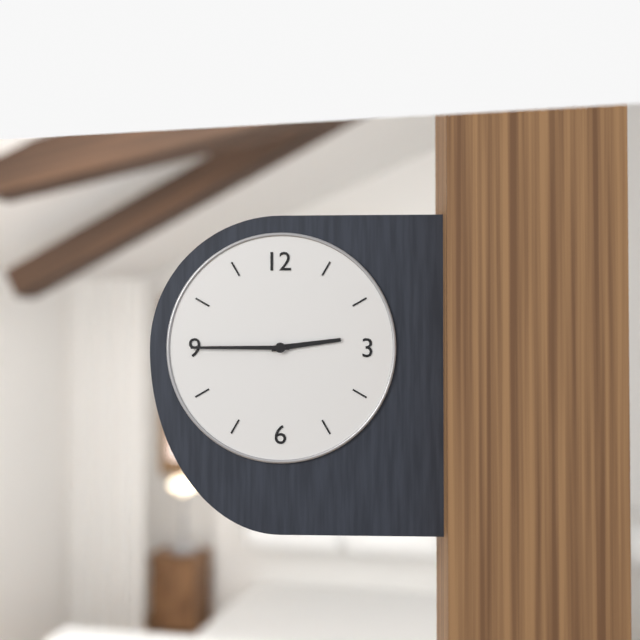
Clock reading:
{"hour": 2, "minute": 45}
